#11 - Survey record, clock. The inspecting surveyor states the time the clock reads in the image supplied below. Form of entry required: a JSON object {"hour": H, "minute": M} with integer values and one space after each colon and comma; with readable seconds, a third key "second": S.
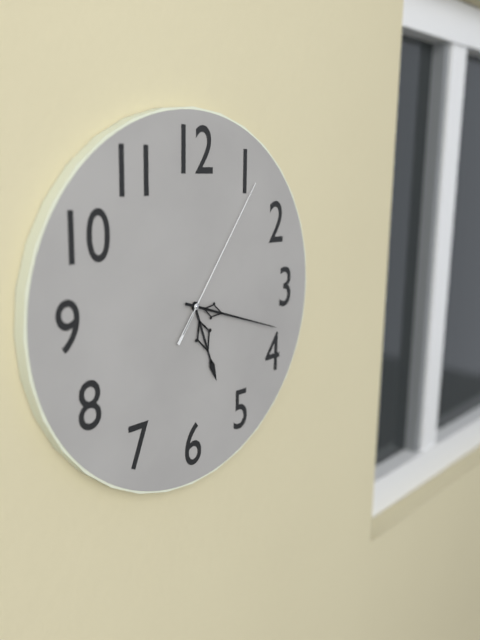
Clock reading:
{"hour": 5, "minute": 18, "second": 6}
